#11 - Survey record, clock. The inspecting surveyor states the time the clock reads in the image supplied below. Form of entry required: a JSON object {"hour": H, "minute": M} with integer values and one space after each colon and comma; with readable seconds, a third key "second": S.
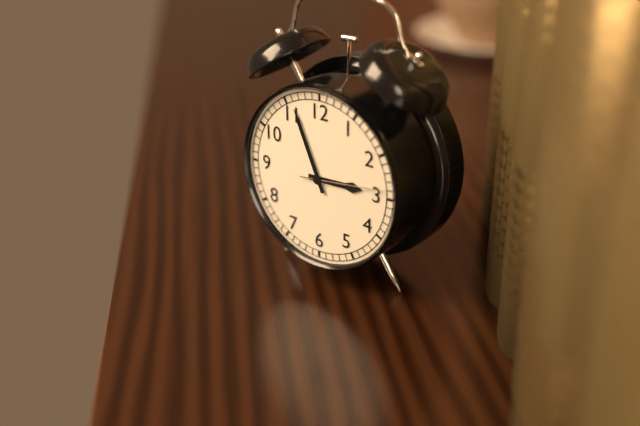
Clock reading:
{"hour": 2, "minute": 56, "second": 14}
